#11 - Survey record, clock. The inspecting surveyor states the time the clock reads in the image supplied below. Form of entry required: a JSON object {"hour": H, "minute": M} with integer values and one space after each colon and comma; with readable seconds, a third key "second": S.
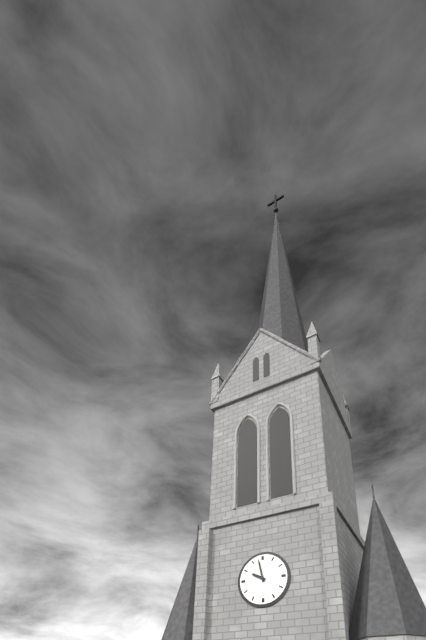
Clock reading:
{"hour": 9, "minute": 58}
